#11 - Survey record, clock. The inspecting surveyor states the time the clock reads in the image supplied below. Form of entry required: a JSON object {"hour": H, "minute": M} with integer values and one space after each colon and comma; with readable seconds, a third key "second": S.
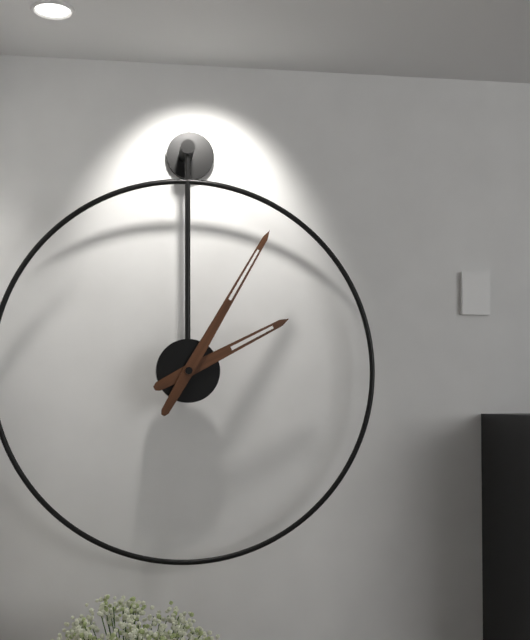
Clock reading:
{"hour": 2, "minute": 5}
